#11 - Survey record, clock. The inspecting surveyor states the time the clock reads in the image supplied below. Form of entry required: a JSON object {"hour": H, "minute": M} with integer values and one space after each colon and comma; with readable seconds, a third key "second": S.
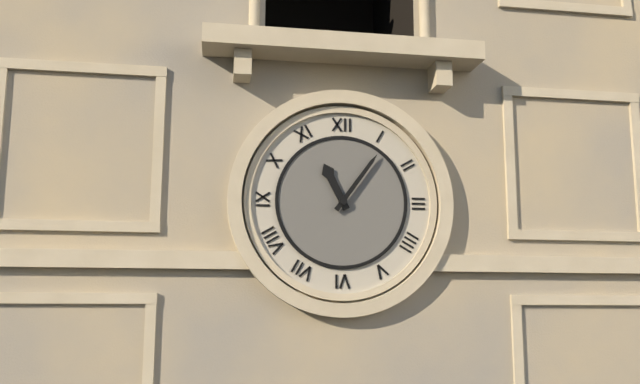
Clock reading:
{"hour": 11, "minute": 6}
